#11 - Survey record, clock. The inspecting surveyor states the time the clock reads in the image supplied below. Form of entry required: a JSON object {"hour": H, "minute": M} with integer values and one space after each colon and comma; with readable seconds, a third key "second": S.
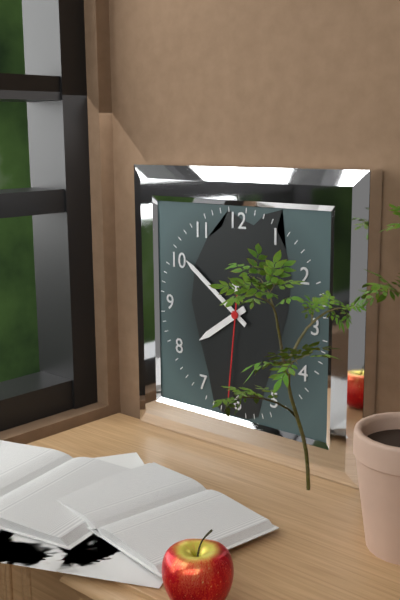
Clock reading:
{"hour": 7, "minute": 51, "second": 31}
